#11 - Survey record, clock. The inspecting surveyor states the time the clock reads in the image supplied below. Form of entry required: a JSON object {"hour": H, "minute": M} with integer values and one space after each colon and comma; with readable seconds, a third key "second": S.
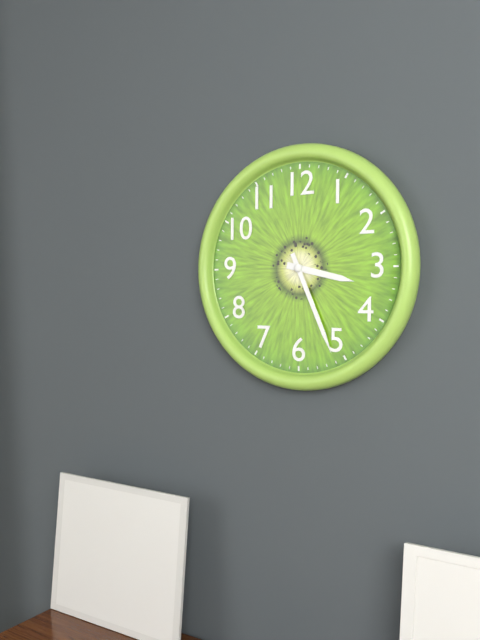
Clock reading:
{"hour": 3, "minute": 26}
